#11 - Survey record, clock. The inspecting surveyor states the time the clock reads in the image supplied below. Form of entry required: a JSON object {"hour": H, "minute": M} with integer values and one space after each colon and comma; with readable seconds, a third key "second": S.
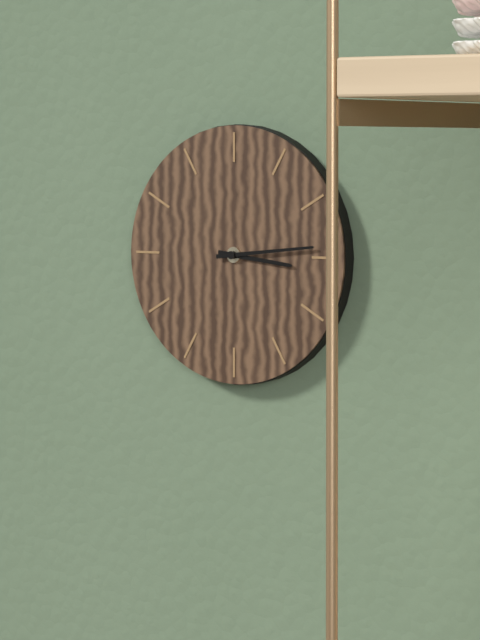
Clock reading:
{"hour": 3, "minute": 14}
